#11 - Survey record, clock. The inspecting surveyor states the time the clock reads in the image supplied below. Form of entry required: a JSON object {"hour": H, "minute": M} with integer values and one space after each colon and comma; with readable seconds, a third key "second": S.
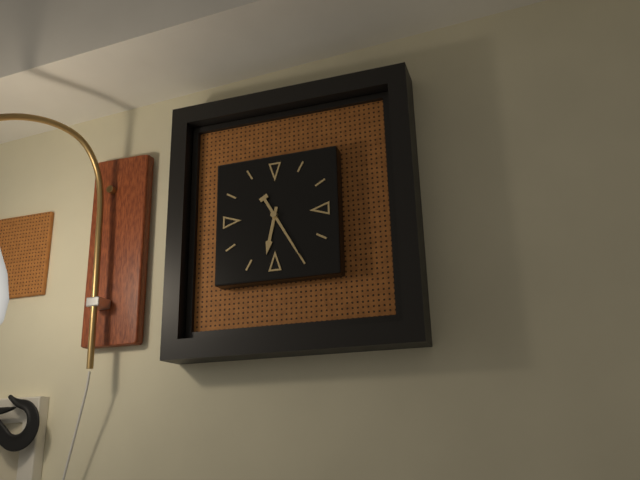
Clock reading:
{"hour": 6, "minute": 25}
